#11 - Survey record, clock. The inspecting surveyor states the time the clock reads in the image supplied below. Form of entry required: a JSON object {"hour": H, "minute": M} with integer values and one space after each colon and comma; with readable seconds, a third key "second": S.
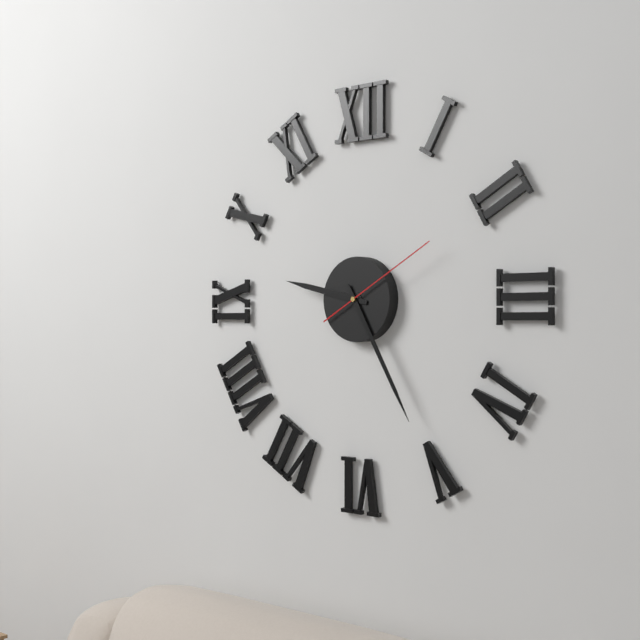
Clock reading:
{"hour": 9, "minute": 25, "second": 10}
